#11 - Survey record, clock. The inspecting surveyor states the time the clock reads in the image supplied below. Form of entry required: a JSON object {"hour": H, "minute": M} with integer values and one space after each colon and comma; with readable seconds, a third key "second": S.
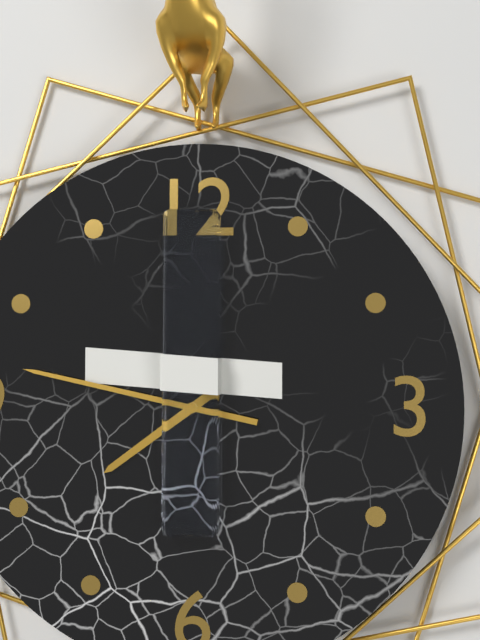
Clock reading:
{"hour": 7, "minute": 47}
